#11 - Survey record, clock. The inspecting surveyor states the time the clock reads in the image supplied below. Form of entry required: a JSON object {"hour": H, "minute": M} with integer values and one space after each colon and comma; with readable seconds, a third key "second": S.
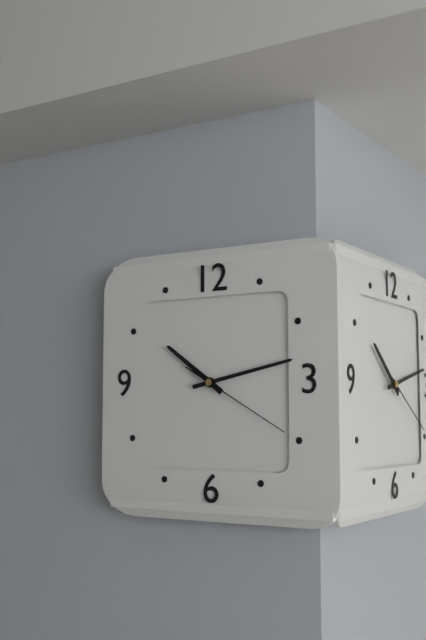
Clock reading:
{"hour": 10, "minute": 13, "second": 20}
